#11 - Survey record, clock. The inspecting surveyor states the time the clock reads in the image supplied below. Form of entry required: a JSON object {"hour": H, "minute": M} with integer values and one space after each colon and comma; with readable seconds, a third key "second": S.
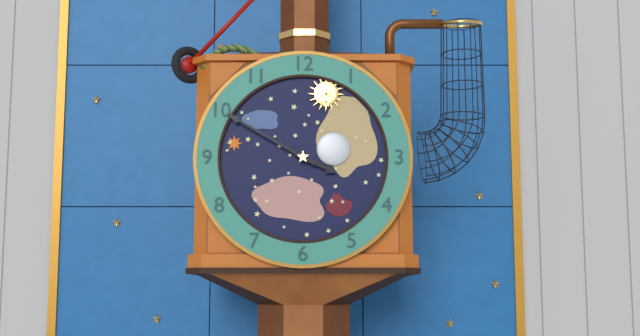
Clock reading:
{"hour": 3, "minute": 50}
